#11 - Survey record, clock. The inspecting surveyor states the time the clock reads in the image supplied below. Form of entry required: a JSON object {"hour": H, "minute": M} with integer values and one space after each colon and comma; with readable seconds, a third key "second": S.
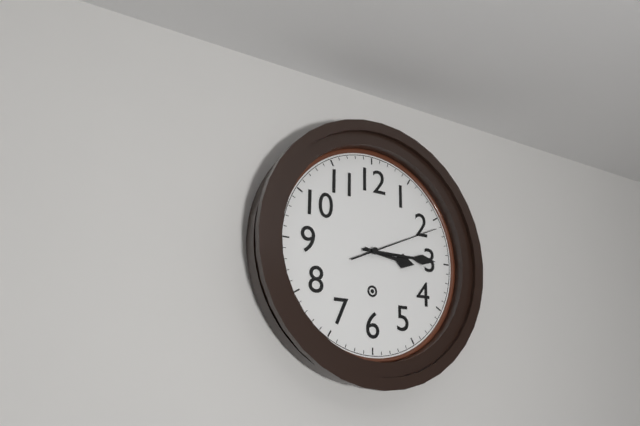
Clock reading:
{"hour": 3, "minute": 15, "second": 11}
